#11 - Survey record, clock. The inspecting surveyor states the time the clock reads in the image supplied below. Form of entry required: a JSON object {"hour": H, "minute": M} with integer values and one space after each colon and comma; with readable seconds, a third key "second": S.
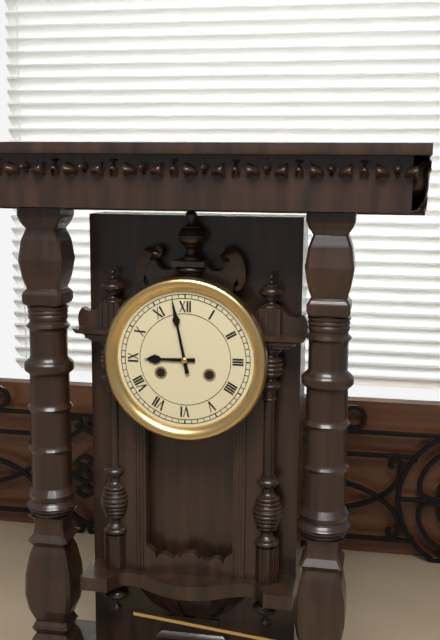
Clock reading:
{"hour": 8, "minute": 58}
